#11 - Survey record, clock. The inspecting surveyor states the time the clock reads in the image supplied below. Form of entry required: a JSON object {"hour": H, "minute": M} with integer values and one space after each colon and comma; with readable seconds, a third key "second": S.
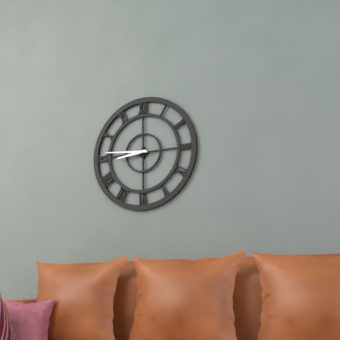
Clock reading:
{"hour": 8, "minute": 46}
